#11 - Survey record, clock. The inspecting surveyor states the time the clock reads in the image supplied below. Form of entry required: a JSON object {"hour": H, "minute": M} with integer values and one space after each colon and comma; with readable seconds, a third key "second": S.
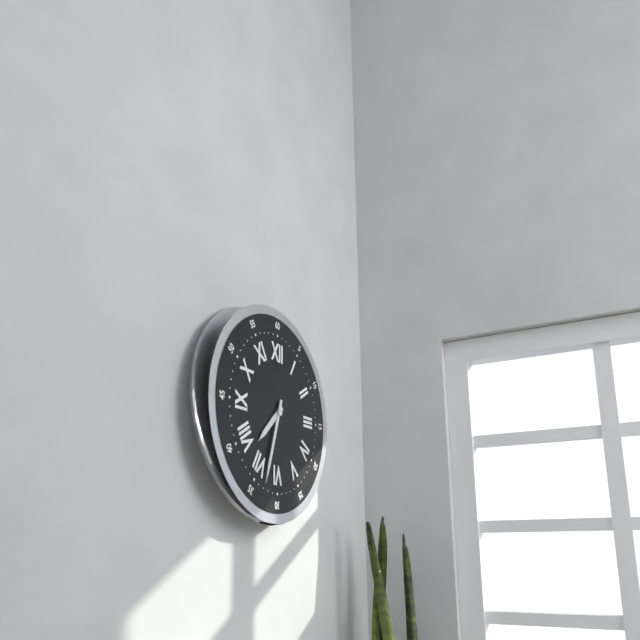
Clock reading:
{"hour": 7, "minute": 33}
